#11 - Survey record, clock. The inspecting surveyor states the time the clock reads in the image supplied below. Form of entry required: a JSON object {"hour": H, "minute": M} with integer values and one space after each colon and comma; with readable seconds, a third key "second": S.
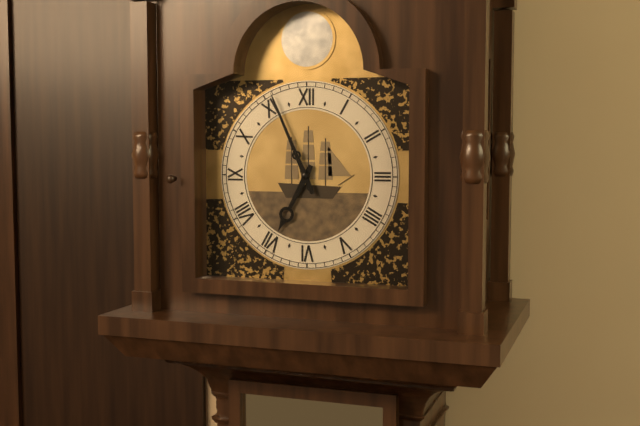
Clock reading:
{"hour": 6, "minute": 56}
